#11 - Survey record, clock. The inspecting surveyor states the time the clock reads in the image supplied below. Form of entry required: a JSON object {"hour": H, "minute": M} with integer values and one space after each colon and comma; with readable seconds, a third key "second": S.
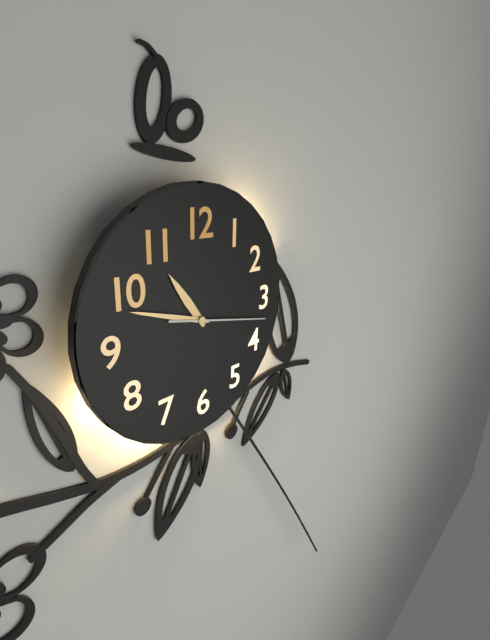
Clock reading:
{"hour": 10, "minute": 48, "second": 17}
